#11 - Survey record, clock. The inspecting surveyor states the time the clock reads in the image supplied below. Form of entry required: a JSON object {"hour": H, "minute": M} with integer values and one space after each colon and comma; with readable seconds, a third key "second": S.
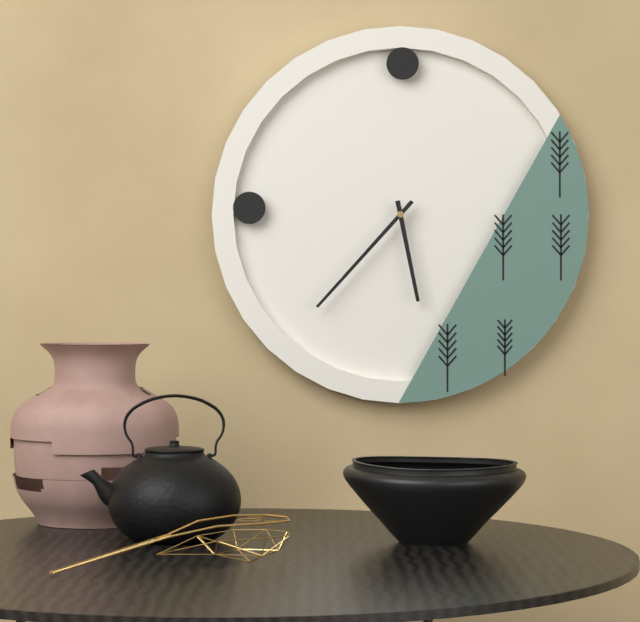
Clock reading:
{"hour": 5, "minute": 37}
